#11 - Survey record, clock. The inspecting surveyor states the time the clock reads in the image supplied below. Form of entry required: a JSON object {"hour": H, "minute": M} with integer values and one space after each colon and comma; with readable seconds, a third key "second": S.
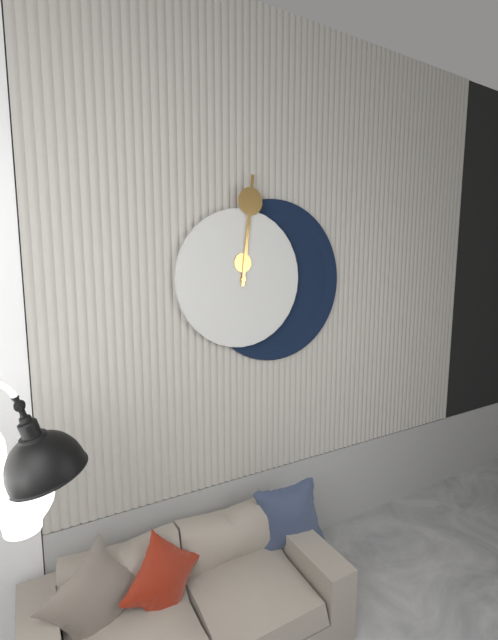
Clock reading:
{"hour": 12, "minute": 1}
